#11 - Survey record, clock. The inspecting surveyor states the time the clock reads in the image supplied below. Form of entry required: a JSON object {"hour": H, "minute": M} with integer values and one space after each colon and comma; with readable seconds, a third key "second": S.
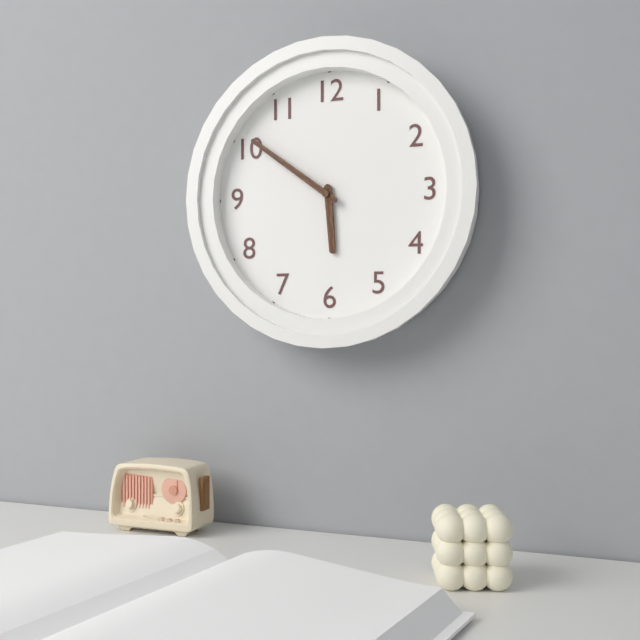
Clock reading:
{"hour": 5, "minute": 51}
